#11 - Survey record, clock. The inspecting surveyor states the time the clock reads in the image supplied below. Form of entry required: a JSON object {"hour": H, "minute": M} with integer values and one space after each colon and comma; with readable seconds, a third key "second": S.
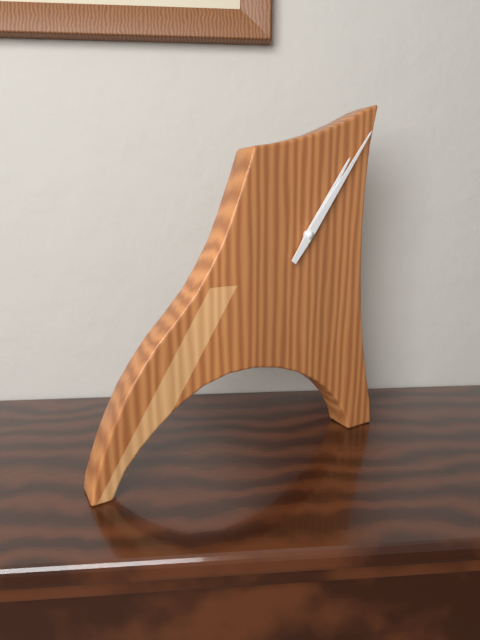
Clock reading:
{"hour": 1, "minute": 6}
